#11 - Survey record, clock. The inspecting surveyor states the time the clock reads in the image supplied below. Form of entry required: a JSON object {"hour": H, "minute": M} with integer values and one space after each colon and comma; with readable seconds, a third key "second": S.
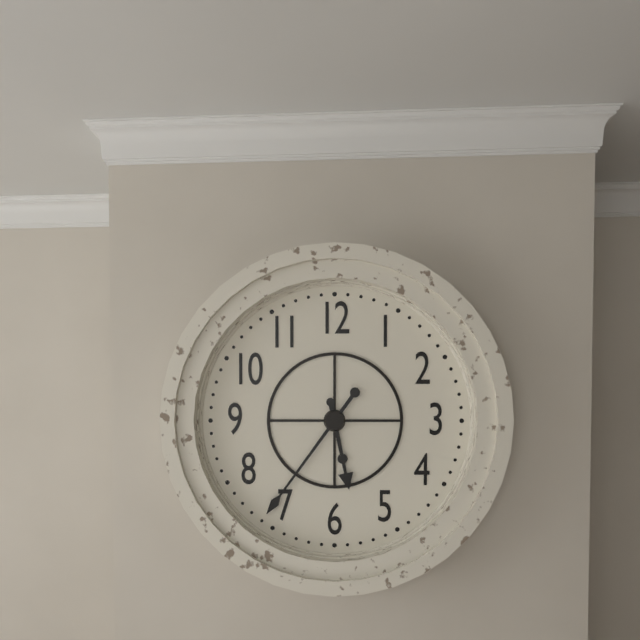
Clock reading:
{"hour": 5, "minute": 36}
